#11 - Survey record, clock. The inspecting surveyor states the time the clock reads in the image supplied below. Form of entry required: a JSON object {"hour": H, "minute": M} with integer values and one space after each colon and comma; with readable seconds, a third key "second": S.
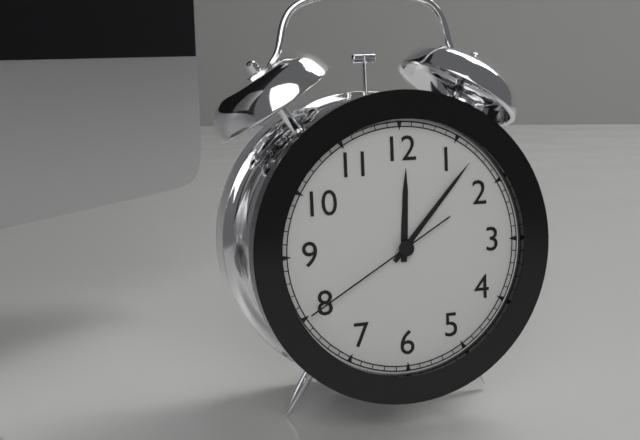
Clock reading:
{"hour": 12, "minute": 7, "second": 40}
